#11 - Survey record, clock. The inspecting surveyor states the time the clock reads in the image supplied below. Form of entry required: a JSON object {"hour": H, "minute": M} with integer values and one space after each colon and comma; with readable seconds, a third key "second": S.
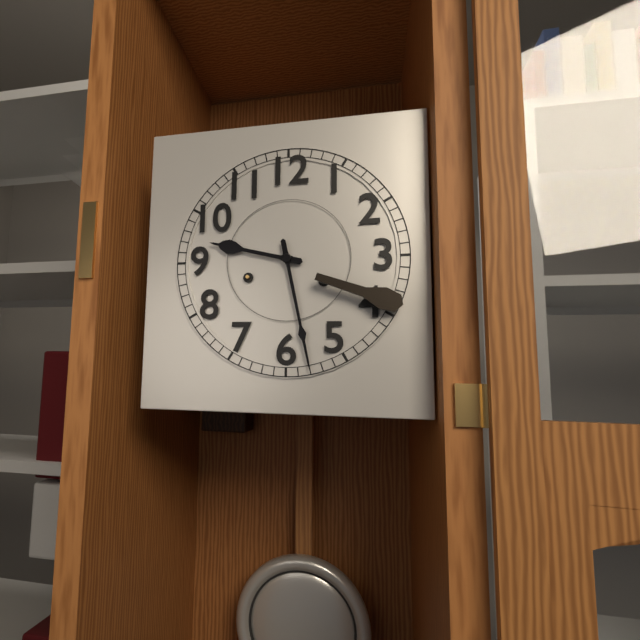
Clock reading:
{"hour": 9, "minute": 28}
